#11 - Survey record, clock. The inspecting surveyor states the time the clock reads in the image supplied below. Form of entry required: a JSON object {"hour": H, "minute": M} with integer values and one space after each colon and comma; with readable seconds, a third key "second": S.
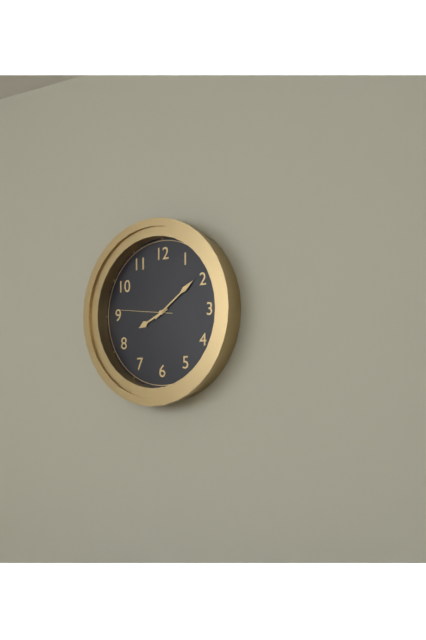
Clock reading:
{"hour": 8, "minute": 9, "second": 46}
